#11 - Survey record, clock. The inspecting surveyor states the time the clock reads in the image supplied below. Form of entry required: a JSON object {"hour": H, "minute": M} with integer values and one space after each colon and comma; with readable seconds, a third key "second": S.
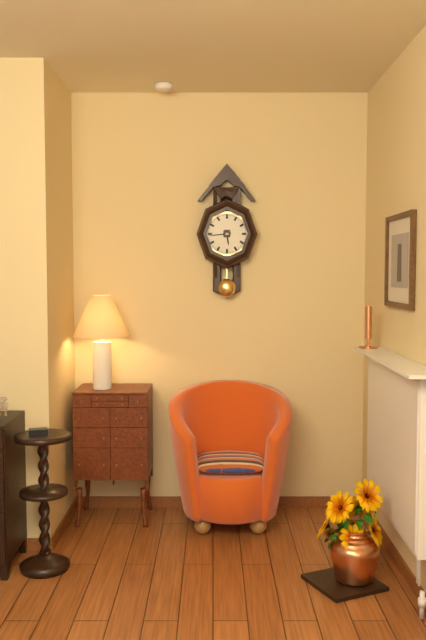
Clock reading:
{"hour": 5, "minute": 44}
